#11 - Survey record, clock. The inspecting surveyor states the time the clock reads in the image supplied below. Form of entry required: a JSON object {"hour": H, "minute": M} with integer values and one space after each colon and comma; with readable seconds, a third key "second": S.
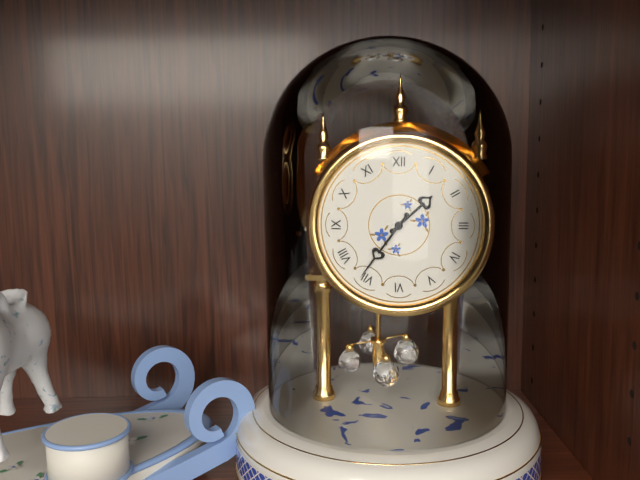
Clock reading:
{"hour": 1, "minute": 36}
